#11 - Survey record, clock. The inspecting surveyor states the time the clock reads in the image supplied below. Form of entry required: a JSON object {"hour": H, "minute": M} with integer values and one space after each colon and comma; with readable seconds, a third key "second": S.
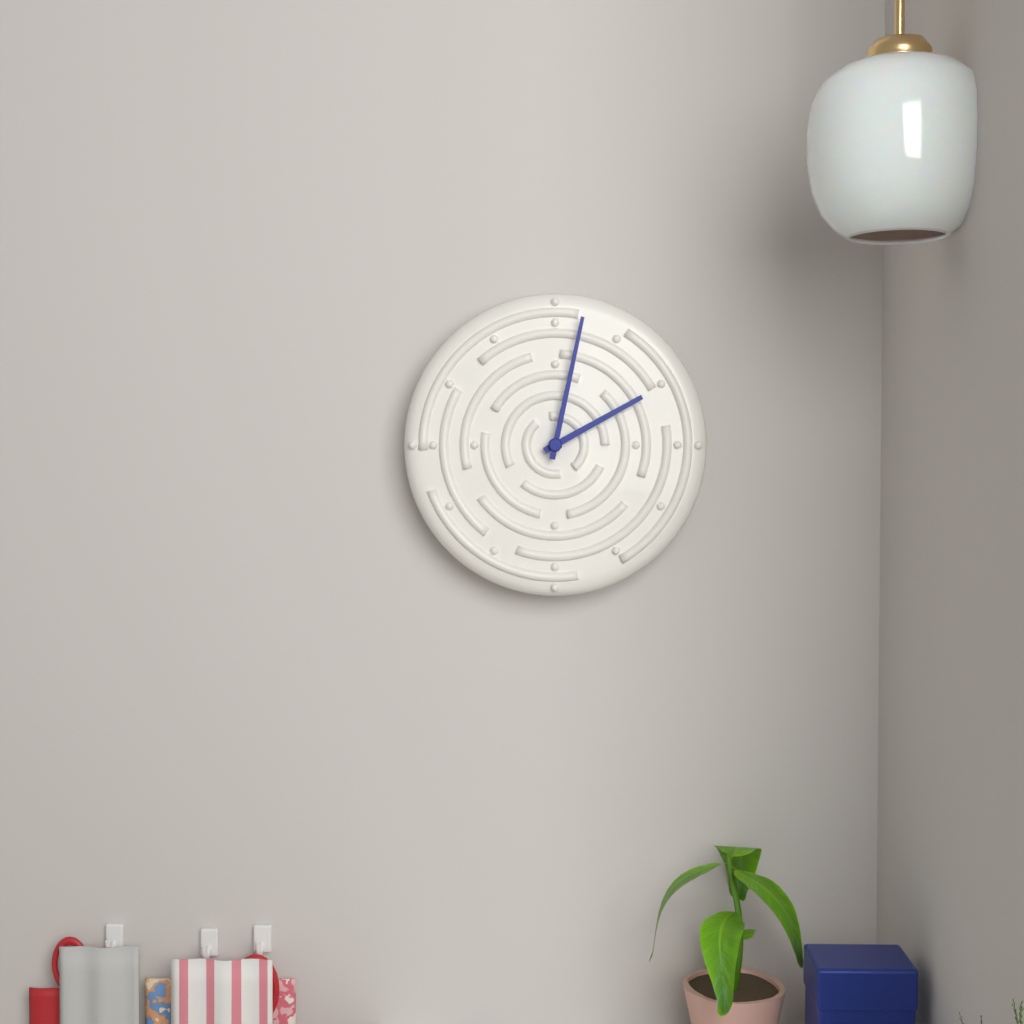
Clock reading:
{"hour": 2, "minute": 2}
